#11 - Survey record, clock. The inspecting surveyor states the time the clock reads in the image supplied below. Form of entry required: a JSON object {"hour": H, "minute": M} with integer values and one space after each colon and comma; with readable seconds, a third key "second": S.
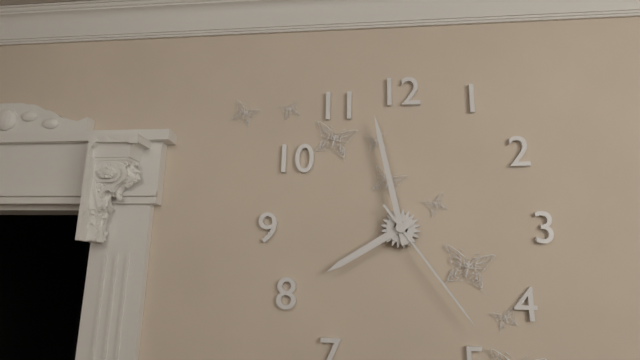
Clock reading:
{"hour": 7, "minute": 58, "second": 24}
